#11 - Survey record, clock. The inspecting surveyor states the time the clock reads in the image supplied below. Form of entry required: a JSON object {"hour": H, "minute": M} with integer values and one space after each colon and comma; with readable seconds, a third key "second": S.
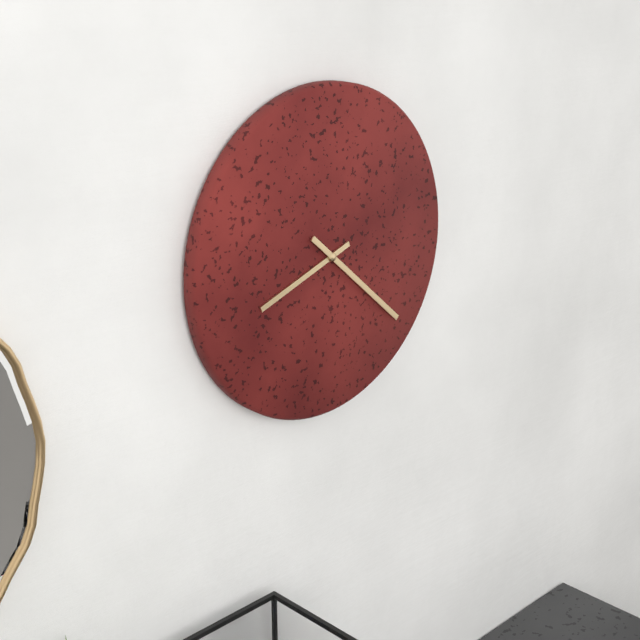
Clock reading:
{"hour": 8, "minute": 22}
